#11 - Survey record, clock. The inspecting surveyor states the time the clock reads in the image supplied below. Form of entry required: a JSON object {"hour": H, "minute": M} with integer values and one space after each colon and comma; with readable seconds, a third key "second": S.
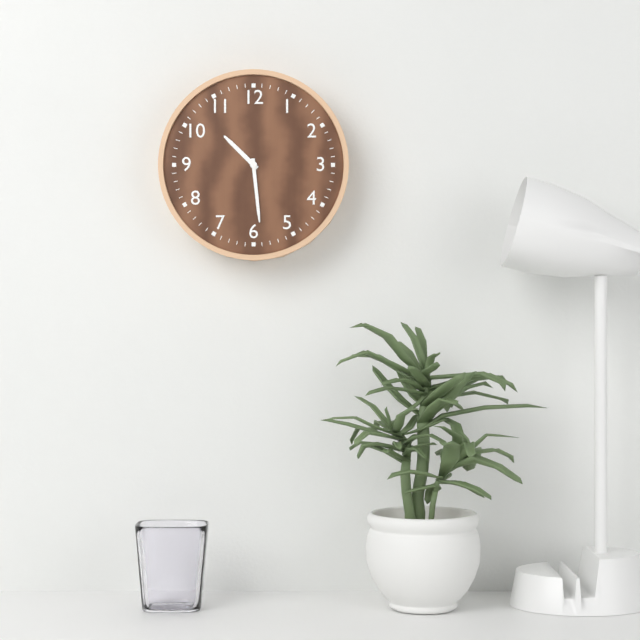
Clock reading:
{"hour": 10, "minute": 29}
